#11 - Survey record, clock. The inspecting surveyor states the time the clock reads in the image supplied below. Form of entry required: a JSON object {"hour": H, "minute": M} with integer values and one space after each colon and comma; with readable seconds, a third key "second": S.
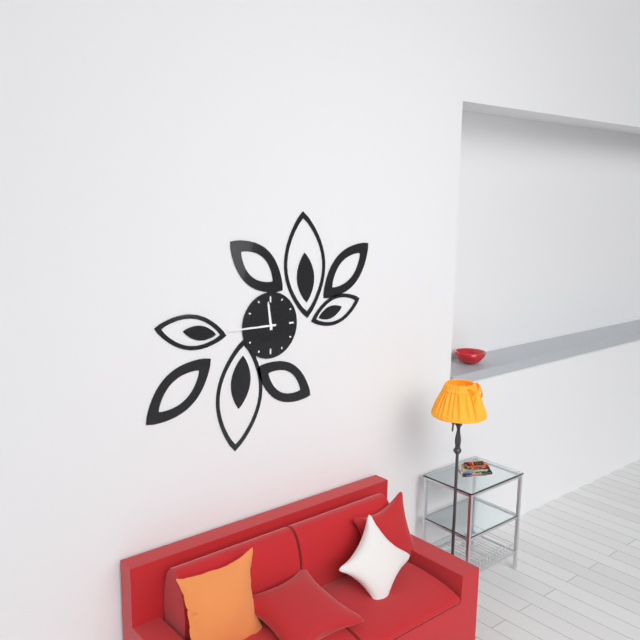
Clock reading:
{"hour": 11, "minute": 45}
